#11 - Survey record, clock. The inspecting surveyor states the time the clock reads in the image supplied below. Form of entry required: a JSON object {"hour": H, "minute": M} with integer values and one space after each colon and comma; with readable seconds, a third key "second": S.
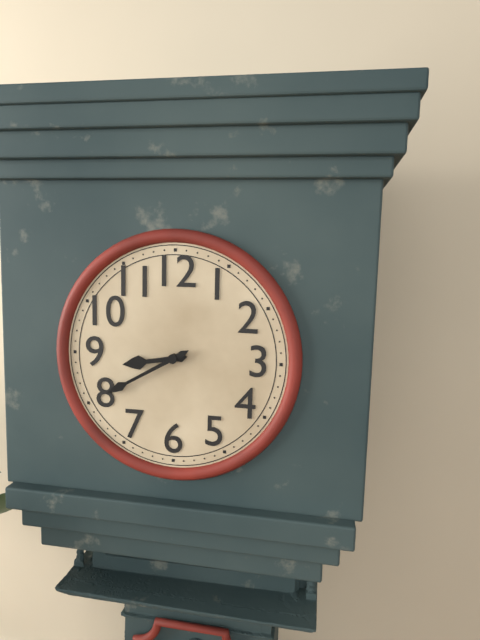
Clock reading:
{"hour": 8, "minute": 40}
